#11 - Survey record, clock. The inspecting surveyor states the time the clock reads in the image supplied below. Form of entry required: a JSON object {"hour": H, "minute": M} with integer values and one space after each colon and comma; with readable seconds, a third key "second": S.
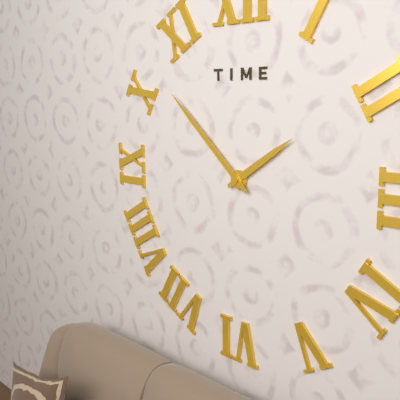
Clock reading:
{"hour": 1, "minute": 52}
